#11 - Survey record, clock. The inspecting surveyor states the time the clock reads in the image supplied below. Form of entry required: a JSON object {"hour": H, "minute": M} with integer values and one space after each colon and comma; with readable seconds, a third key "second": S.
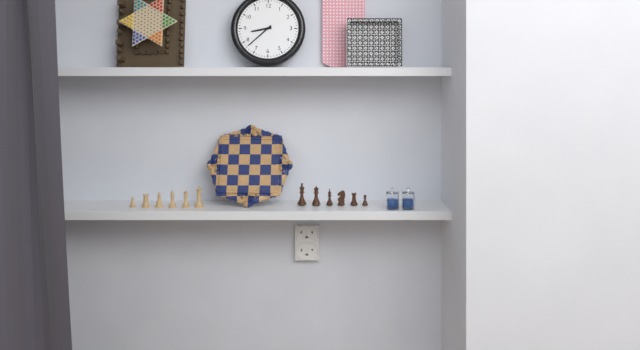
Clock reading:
{"hour": 8, "minute": 38}
